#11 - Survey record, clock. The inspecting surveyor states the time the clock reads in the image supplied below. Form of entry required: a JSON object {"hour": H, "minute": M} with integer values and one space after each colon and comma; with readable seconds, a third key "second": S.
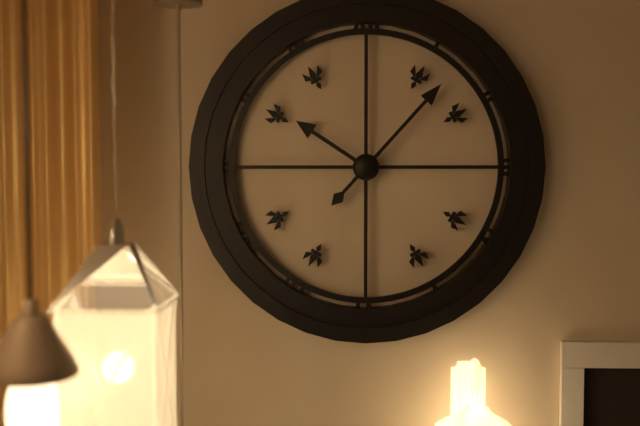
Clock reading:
{"hour": 10, "minute": 7}
